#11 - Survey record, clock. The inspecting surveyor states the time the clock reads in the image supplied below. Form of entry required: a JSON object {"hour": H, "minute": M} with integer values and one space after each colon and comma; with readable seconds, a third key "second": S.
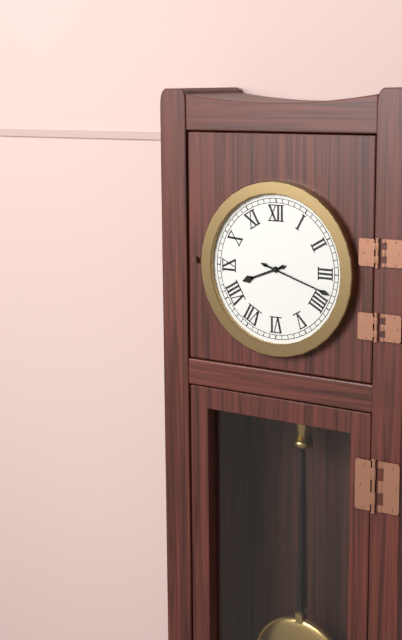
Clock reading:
{"hour": 8, "minute": 18}
